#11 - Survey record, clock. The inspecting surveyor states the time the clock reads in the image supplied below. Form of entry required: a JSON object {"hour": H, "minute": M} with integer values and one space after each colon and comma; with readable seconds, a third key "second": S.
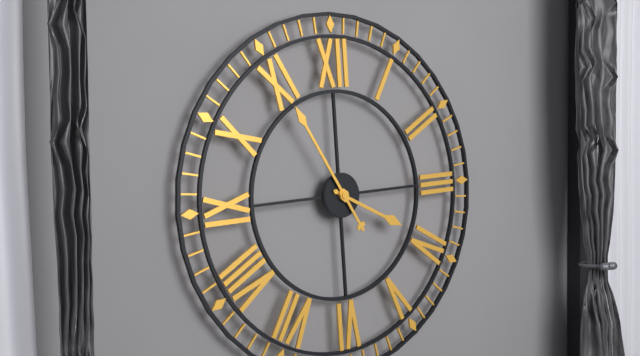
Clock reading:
{"hour": 3, "minute": 55}
